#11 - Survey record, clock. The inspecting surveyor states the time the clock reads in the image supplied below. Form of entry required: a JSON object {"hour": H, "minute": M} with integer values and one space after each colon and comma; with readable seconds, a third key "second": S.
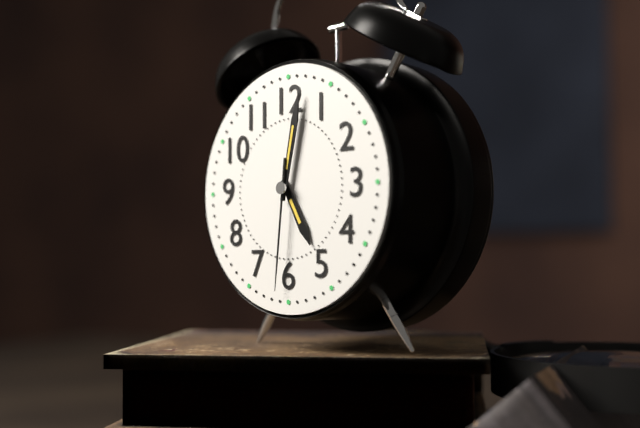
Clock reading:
{"hour": 5, "minute": 2, "second": 31}
